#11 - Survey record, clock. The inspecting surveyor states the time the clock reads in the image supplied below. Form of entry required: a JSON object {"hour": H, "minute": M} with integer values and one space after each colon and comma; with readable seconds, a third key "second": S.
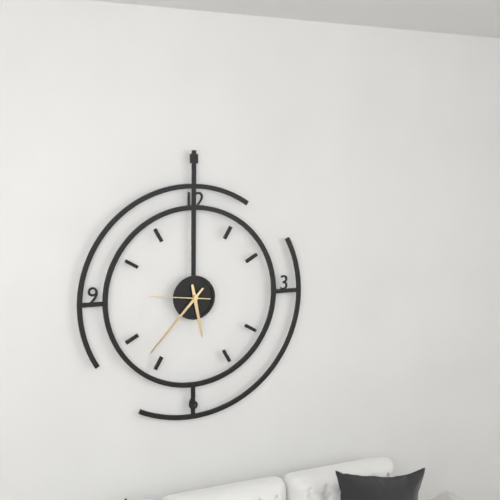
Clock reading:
{"hour": 5, "minute": 37, "second": 46}
